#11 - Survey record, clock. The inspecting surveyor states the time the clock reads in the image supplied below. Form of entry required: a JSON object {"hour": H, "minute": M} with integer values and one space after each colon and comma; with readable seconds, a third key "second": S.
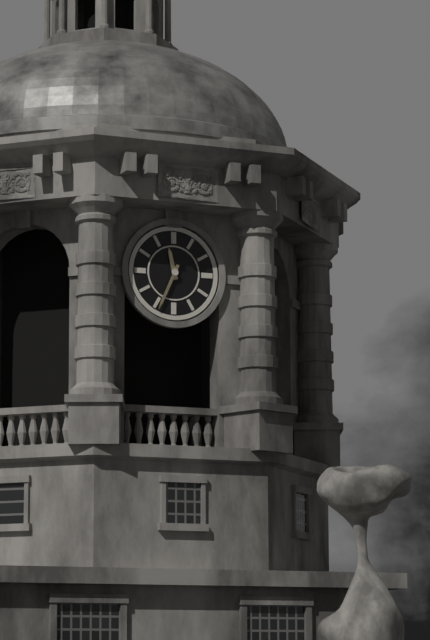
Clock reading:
{"hour": 11, "minute": 34}
